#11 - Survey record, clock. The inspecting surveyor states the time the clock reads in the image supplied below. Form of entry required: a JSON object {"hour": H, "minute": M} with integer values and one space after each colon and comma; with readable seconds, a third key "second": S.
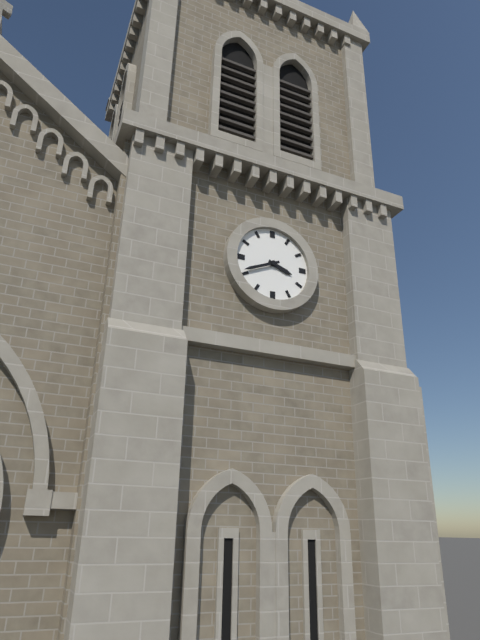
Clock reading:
{"hour": 3, "minute": 41}
